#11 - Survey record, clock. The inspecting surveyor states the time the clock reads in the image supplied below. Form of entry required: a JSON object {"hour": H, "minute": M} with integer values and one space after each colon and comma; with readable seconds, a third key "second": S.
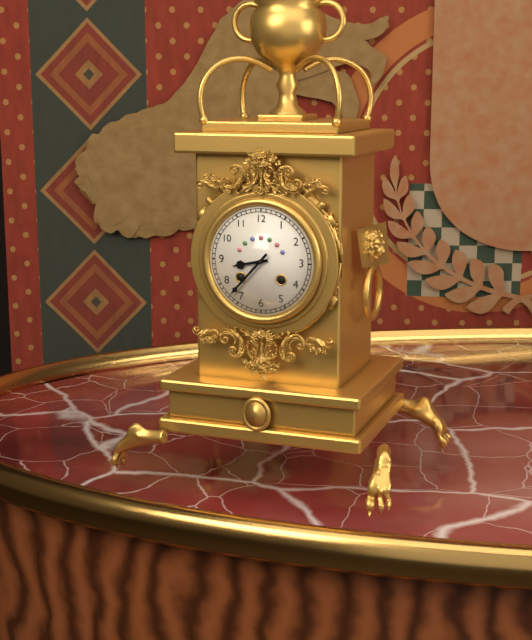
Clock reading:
{"hour": 8, "minute": 37}
